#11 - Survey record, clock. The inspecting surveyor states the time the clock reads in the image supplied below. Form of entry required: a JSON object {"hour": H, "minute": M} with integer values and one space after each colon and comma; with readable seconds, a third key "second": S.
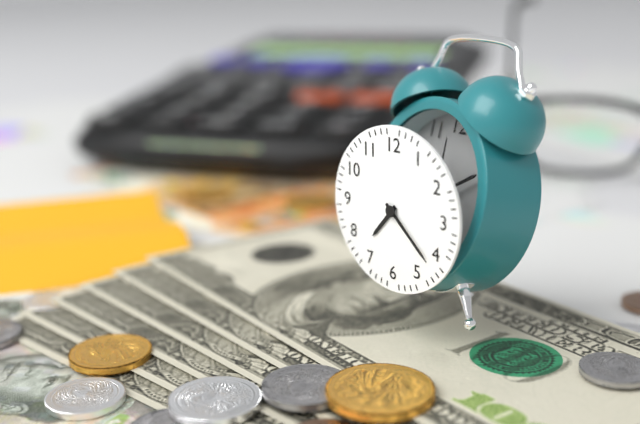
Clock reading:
{"hour": 7, "minute": 22}
